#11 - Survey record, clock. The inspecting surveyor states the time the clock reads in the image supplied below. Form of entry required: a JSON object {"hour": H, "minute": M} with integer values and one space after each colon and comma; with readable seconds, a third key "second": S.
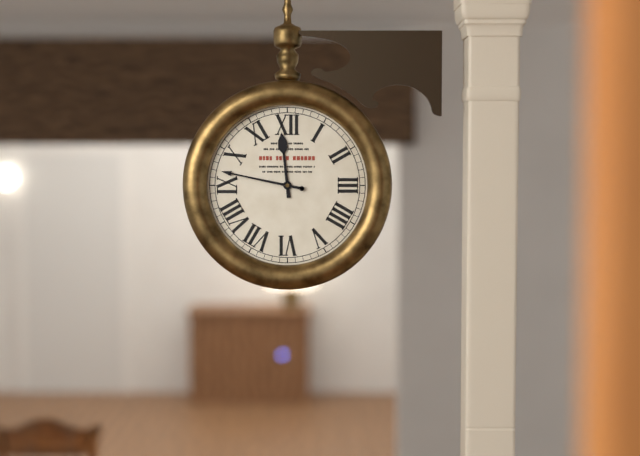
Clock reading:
{"hour": 11, "minute": 47}
